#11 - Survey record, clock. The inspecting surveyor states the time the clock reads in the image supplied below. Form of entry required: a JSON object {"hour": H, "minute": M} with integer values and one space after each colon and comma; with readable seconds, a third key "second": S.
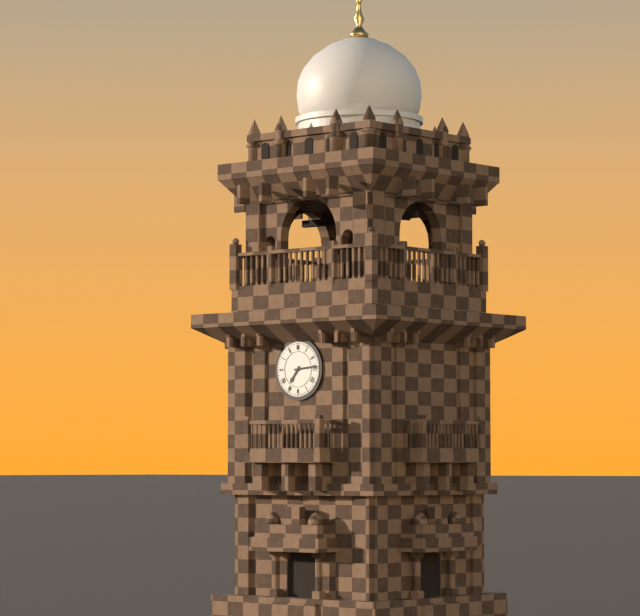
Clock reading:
{"hour": 7, "minute": 14}
